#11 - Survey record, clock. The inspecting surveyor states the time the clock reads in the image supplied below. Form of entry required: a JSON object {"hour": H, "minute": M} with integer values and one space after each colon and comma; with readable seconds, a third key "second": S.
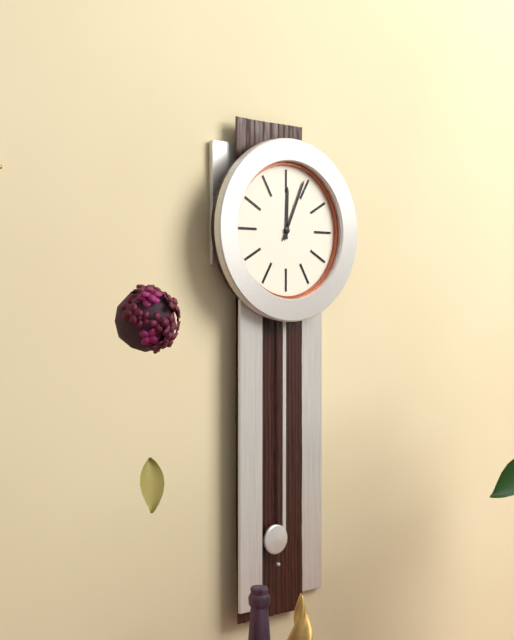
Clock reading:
{"hour": 12, "minute": 4}
